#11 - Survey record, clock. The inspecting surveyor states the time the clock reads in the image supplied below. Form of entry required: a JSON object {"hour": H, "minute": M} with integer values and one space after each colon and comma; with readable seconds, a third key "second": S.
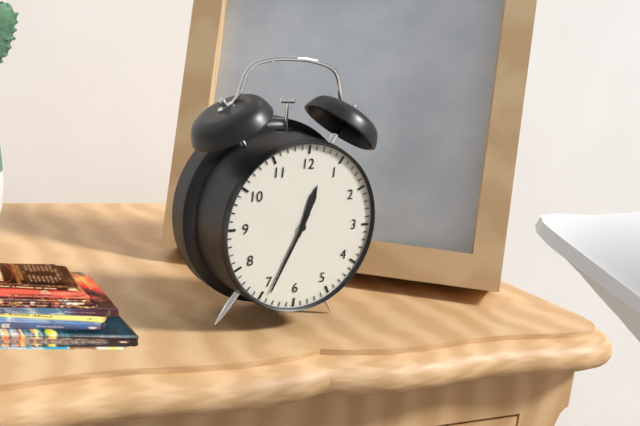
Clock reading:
{"hour": 12, "minute": 34}
